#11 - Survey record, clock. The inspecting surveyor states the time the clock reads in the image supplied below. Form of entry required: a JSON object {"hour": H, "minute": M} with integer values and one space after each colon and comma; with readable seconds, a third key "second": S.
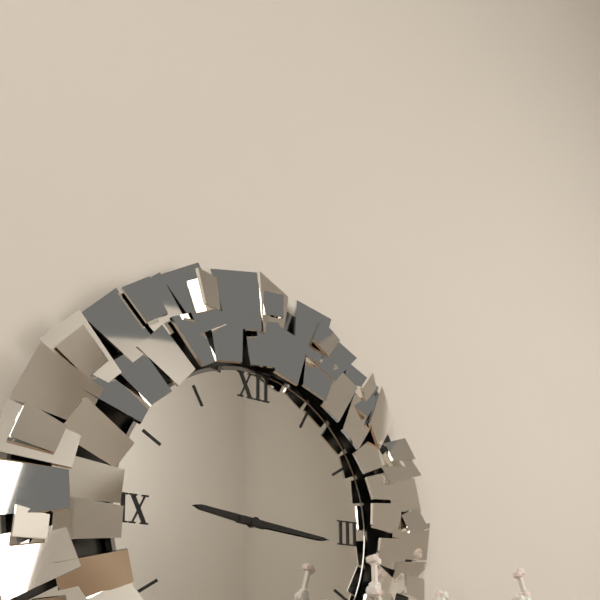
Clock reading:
{"hour": 9, "minute": 16}
